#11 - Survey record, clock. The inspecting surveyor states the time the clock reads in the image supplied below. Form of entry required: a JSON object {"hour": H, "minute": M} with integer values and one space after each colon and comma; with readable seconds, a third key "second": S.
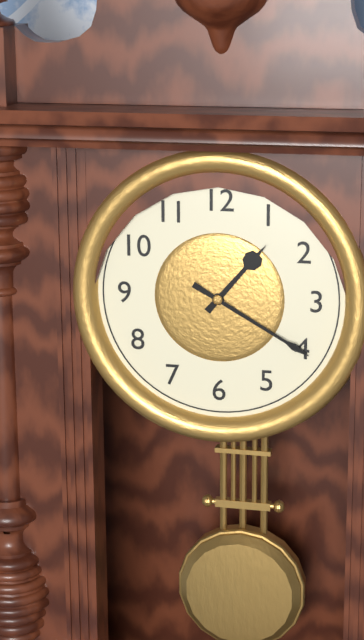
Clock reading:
{"hour": 1, "minute": 20}
